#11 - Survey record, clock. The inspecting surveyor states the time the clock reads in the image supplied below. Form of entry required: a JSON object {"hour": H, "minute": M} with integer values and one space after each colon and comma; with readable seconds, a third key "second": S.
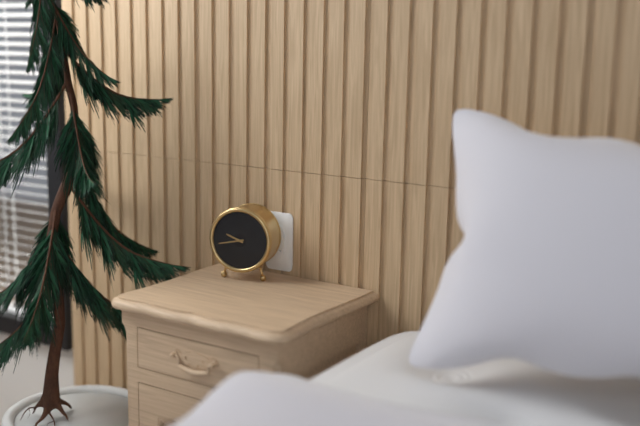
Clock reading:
{"hour": 9, "minute": 43}
